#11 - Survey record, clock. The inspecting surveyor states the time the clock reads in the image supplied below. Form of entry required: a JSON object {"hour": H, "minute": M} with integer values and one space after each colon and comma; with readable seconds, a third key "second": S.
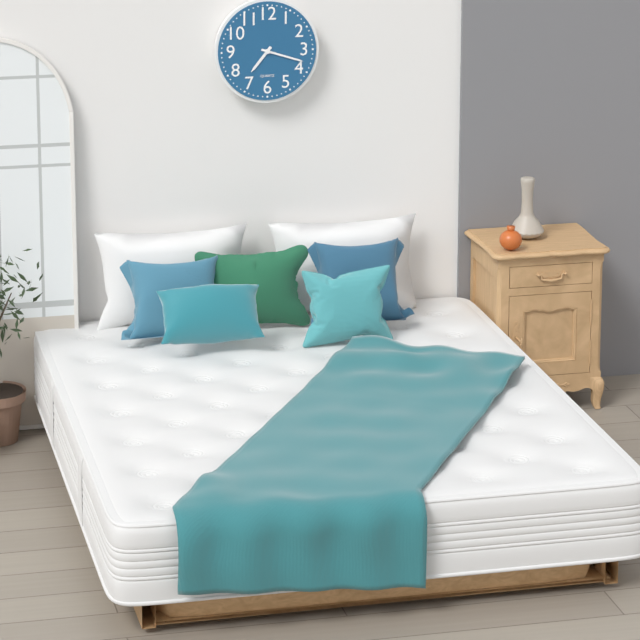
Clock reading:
{"hour": 7, "minute": 18}
